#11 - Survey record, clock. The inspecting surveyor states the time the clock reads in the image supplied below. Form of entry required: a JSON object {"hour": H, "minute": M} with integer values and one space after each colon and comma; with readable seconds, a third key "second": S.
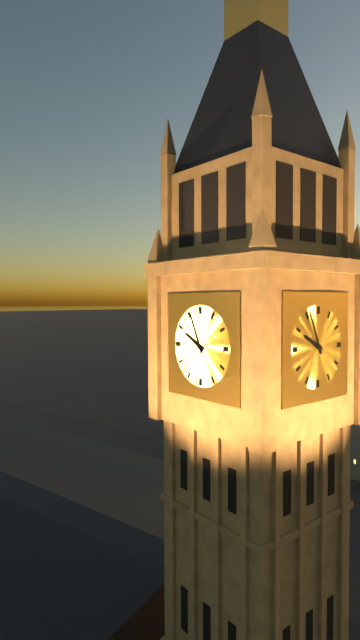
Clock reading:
{"hour": 9, "minute": 56}
